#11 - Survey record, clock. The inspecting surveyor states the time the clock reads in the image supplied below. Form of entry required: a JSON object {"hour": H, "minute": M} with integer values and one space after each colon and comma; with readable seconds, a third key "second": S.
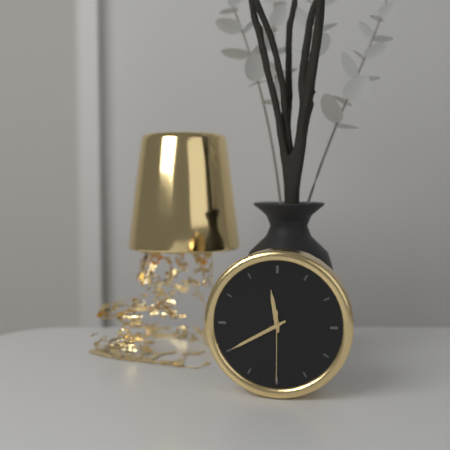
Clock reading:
{"hour": 11, "minute": 40, "second": 30}
